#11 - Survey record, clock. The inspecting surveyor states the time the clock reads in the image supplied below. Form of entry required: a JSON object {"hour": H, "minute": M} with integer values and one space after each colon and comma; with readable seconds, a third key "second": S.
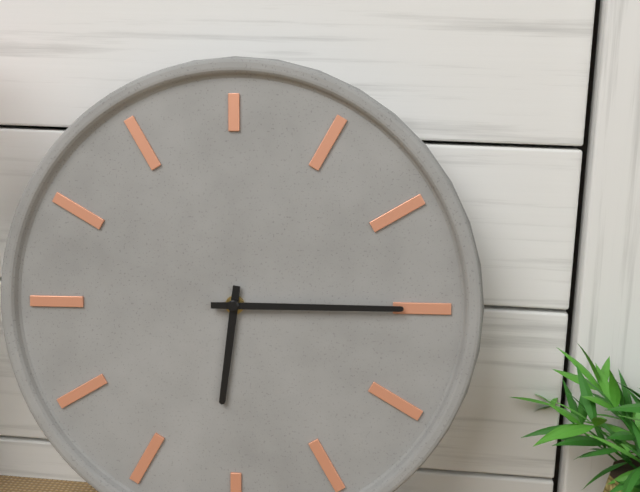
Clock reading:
{"hour": 6, "minute": 15}
